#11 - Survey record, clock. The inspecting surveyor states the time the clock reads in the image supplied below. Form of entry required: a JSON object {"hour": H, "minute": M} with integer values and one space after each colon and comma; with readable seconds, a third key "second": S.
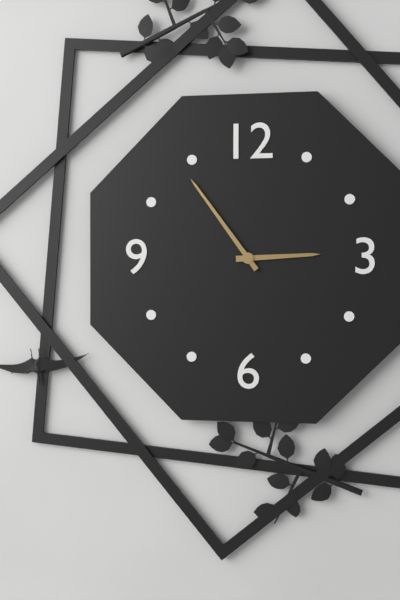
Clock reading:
{"hour": 2, "minute": 54}
